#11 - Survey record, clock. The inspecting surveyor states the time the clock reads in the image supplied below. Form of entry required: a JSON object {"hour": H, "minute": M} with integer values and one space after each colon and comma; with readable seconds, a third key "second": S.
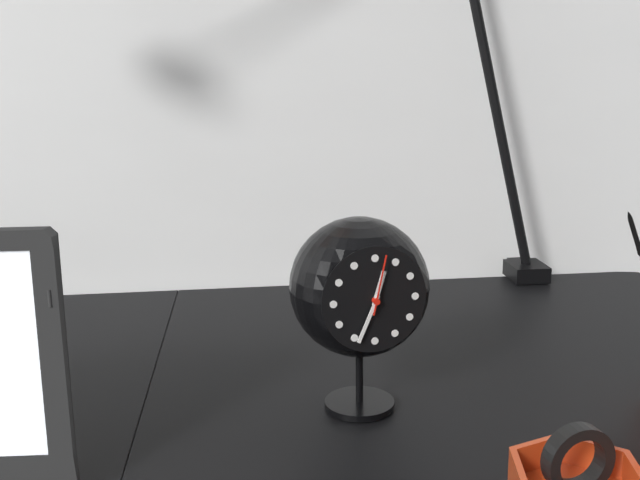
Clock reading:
{"hour": 12, "minute": 34, "second": 2}
